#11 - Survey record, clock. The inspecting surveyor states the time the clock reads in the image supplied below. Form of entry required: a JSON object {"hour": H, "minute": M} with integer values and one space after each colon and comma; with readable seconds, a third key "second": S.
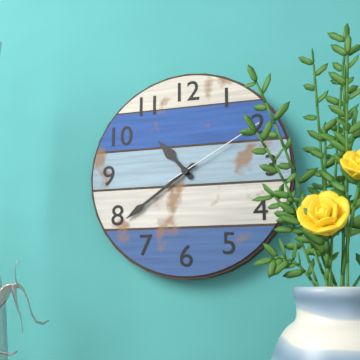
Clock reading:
{"hour": 10, "minute": 39, "second": 10}
